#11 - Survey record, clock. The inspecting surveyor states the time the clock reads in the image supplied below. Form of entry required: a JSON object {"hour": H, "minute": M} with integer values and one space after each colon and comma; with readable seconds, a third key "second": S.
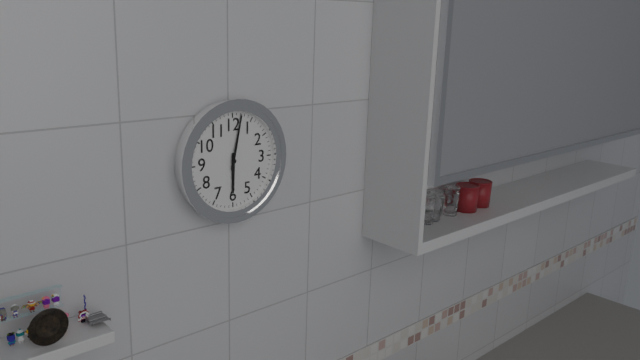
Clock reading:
{"hour": 6, "minute": 2}
